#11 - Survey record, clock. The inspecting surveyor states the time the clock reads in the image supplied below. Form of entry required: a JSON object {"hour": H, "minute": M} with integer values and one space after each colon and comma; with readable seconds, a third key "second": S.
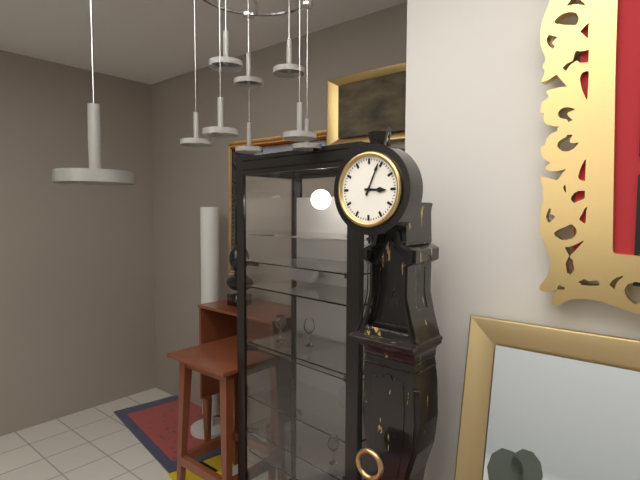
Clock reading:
{"hour": 3, "minute": 4}
